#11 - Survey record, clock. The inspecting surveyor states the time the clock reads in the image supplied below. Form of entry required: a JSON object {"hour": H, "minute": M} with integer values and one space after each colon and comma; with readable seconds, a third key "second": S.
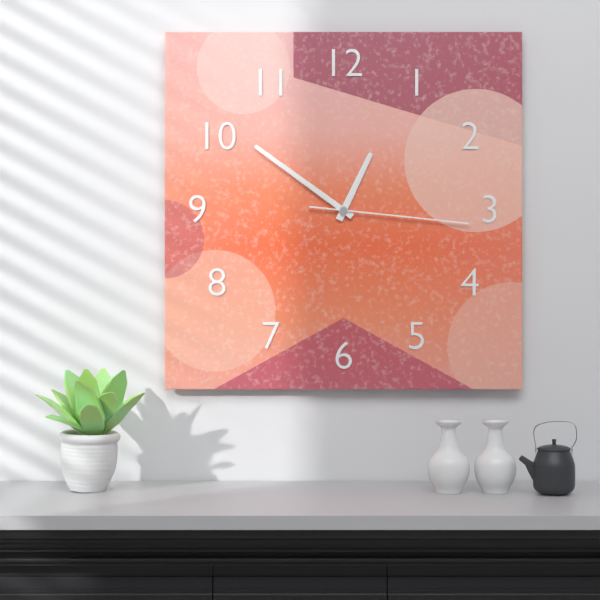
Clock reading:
{"hour": 12, "minute": 51, "second": 16}
